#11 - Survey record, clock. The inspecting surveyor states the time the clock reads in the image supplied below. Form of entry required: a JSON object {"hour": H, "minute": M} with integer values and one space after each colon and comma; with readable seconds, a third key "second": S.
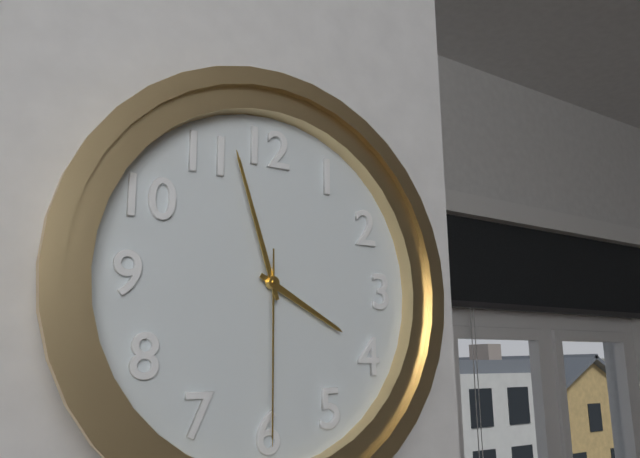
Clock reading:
{"hour": 3, "minute": 57, "second": 30}
